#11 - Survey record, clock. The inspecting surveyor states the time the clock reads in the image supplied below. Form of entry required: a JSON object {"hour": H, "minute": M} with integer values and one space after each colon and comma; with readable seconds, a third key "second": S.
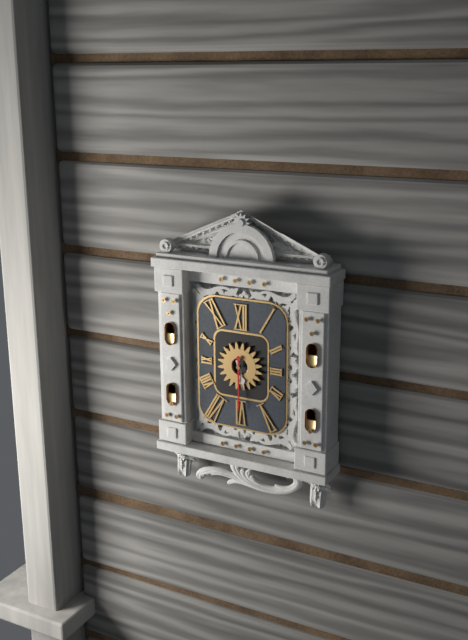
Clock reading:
{"hour": 5, "minute": 30}
